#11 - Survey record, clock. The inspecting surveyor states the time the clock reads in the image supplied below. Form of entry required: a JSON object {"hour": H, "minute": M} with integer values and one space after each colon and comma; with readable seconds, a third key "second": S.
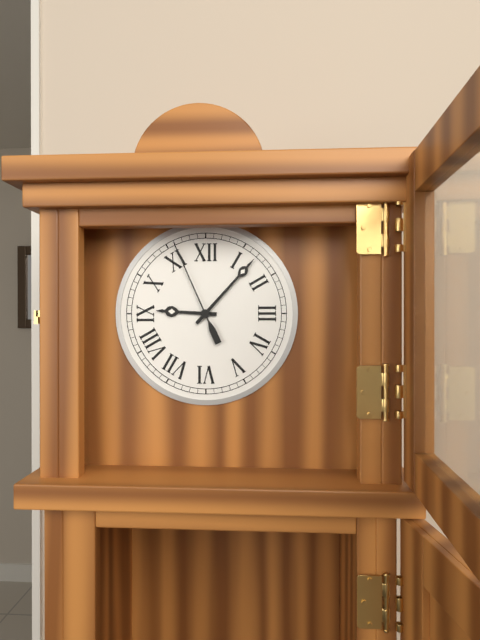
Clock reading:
{"hour": 9, "minute": 7, "second": 56}
